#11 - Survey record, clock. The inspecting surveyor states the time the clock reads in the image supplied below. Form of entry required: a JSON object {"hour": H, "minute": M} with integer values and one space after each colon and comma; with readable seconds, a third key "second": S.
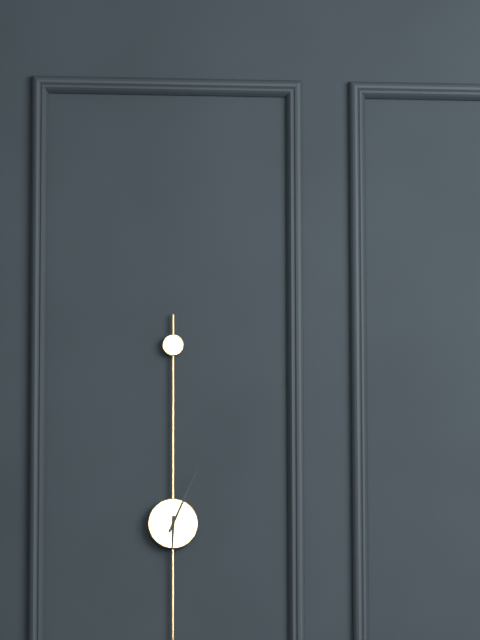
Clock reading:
{"hour": 6, "minute": 4}
